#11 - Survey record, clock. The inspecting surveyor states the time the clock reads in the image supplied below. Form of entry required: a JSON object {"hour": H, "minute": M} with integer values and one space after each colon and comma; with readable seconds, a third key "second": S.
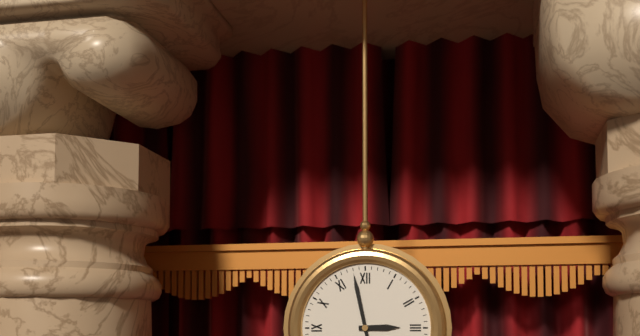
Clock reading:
{"hour": 2, "minute": 58}
